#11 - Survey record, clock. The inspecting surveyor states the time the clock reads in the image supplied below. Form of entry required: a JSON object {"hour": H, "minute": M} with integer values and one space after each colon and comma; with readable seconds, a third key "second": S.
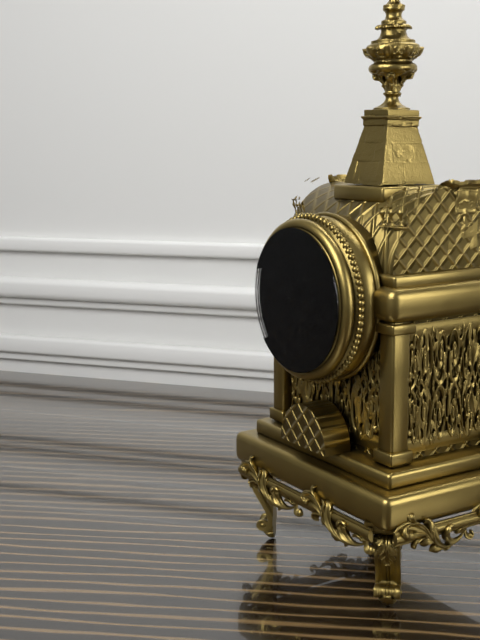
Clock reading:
{"hour": 2, "minute": 50}
